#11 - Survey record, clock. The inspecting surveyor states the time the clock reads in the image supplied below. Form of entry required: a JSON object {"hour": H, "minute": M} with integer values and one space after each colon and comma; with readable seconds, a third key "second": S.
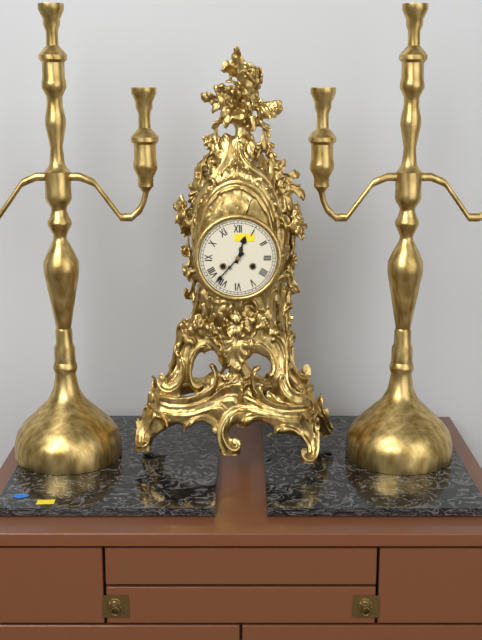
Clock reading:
{"hour": 12, "minute": 37}
